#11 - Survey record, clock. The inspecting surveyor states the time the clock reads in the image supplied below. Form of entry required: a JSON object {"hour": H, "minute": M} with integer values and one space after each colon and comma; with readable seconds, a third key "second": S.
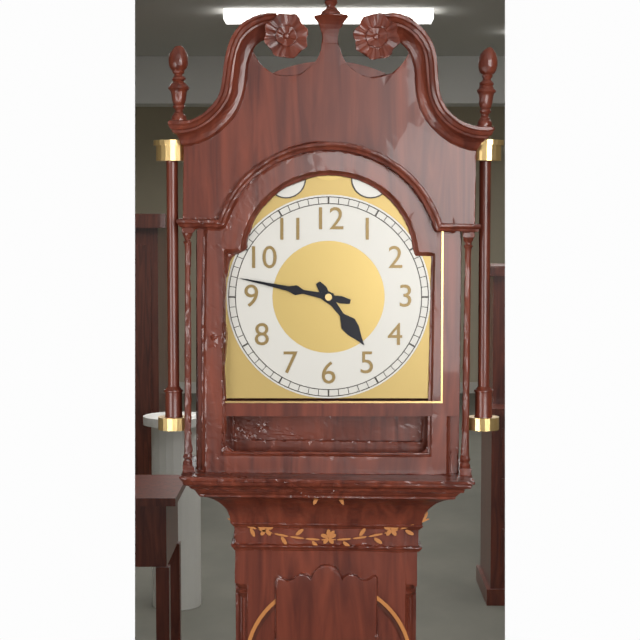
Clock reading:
{"hour": 4, "minute": 47}
